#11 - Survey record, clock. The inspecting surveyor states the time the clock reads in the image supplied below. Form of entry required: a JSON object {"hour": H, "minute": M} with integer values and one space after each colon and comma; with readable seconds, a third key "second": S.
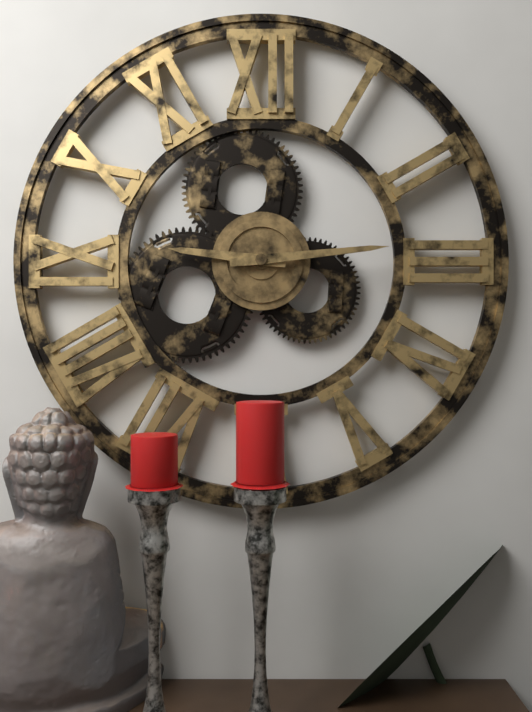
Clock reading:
{"hour": 9, "minute": 14}
